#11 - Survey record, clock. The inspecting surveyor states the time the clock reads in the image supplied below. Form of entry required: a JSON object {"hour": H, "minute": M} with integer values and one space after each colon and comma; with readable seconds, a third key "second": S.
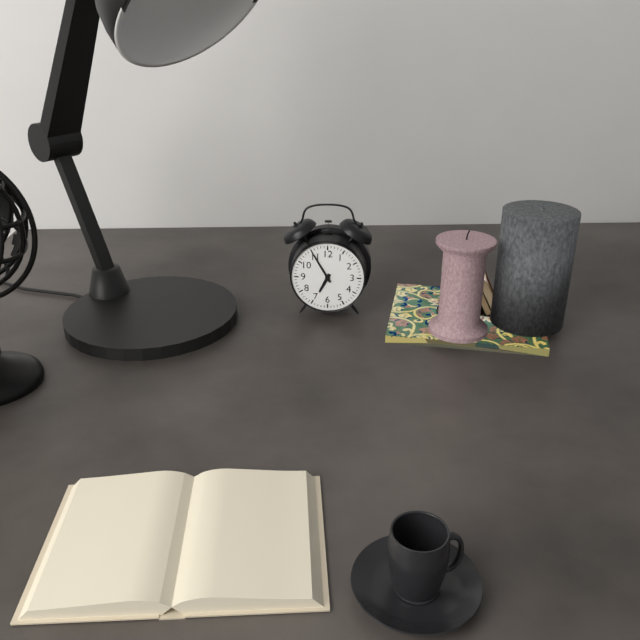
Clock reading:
{"hour": 6, "minute": 55}
